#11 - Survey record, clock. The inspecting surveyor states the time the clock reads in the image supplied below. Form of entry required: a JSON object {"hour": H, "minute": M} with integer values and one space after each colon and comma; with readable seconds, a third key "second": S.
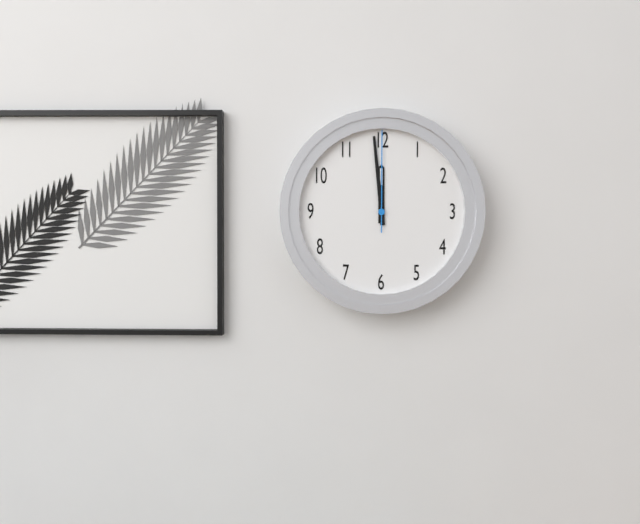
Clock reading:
{"hour": 11, "minute": 59, "second": 0}
